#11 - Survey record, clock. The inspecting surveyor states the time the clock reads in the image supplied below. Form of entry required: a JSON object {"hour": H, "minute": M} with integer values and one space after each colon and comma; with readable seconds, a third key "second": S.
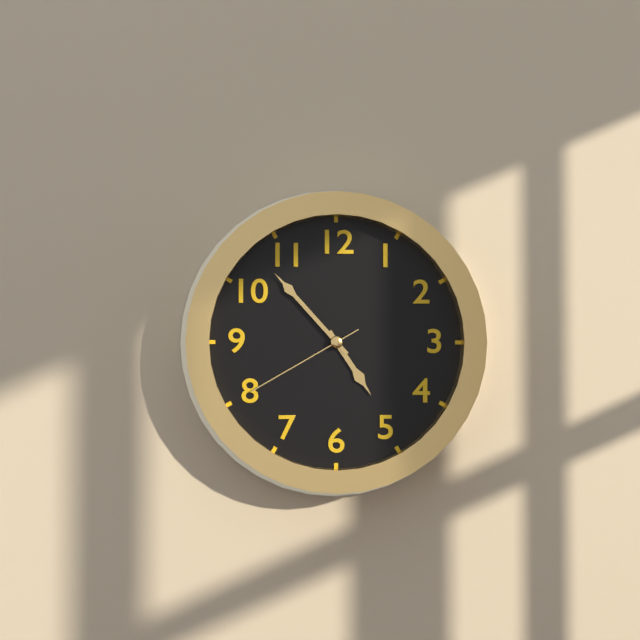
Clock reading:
{"hour": 4, "minute": 53, "second": 40}
